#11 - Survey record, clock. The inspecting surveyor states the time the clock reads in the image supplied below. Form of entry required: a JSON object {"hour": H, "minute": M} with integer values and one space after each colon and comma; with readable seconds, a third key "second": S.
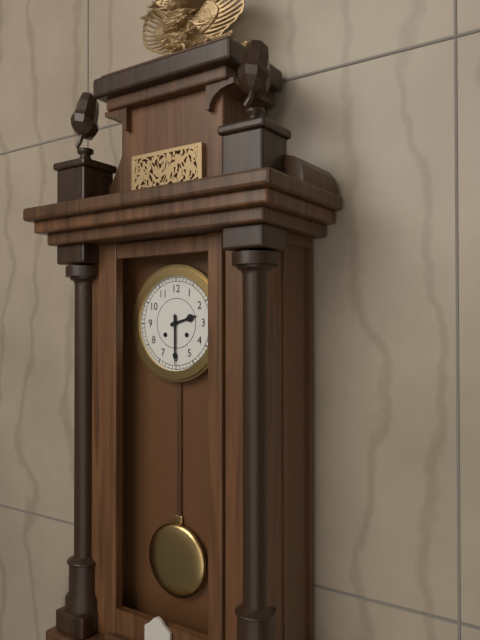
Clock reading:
{"hour": 2, "minute": 30}
